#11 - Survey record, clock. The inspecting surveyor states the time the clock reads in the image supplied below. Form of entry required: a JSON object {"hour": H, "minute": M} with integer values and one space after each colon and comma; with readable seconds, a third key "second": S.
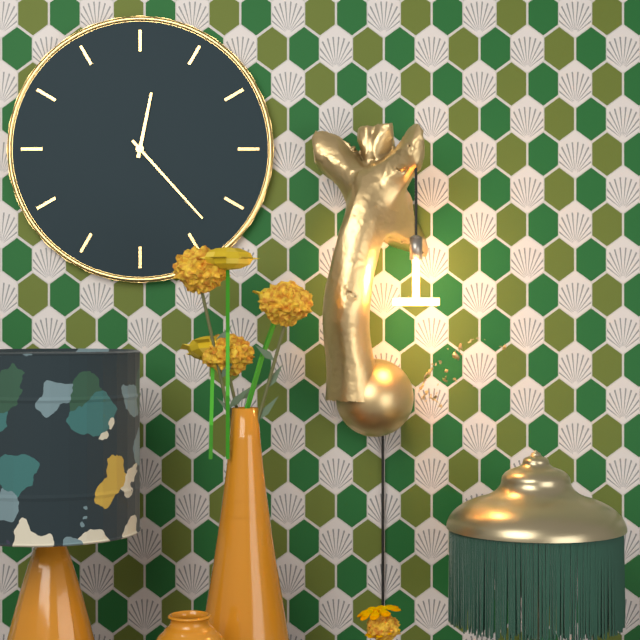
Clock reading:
{"hour": 12, "minute": 23}
